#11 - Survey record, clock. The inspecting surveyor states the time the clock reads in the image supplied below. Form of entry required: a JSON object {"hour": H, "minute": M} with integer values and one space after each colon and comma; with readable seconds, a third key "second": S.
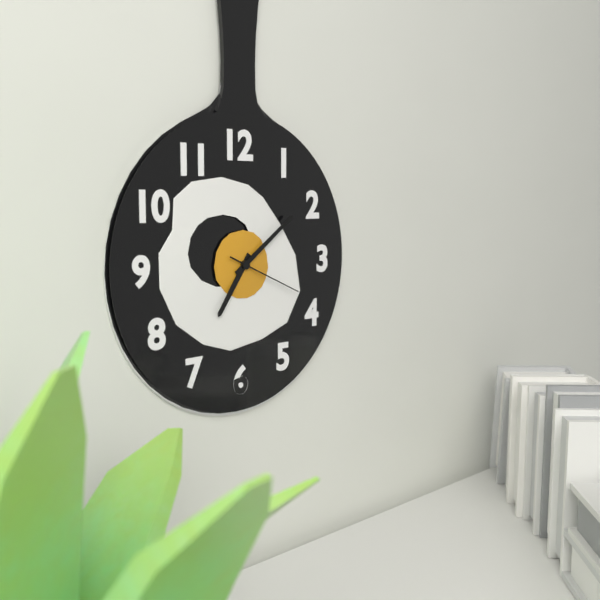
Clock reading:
{"hour": 7, "minute": 9, "second": 19}
